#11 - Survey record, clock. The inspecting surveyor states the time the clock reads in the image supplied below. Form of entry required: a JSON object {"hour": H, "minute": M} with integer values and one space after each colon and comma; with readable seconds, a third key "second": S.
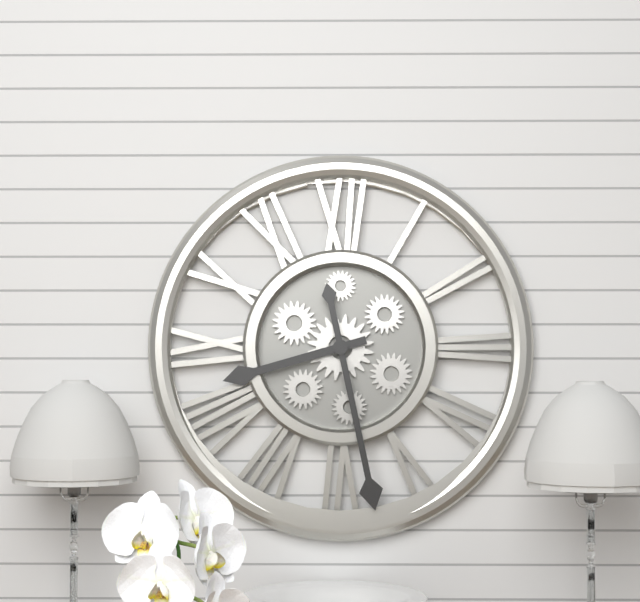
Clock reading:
{"hour": 8, "minute": 28}
